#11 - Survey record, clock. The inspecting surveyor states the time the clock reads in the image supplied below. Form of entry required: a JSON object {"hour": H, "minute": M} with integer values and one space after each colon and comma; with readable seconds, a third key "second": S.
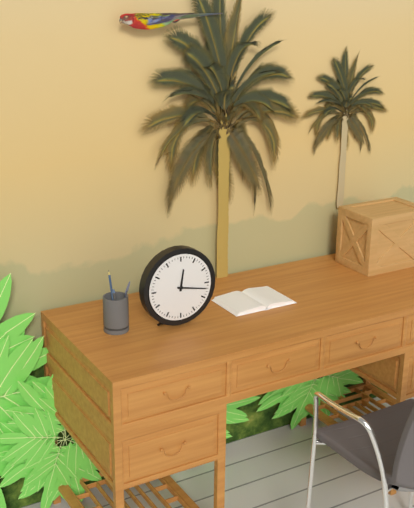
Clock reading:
{"hour": 12, "minute": 17}
